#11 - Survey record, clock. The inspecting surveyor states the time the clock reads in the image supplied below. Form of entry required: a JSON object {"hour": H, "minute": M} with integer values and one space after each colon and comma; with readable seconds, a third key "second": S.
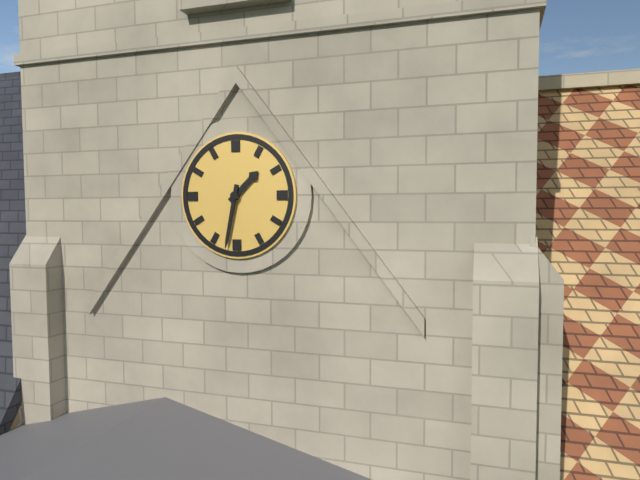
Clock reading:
{"hour": 1, "minute": 32}
